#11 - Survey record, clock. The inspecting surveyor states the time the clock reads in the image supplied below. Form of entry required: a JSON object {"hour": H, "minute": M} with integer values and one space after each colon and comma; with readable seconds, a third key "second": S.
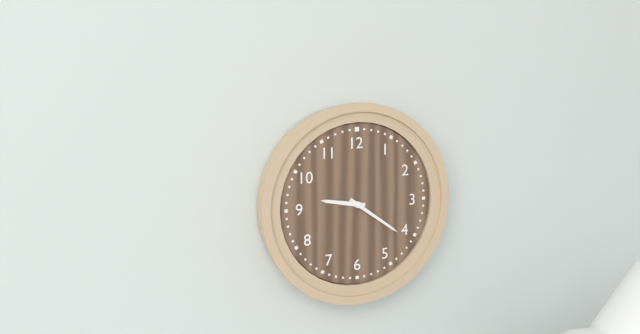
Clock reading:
{"hour": 9, "minute": 21}
